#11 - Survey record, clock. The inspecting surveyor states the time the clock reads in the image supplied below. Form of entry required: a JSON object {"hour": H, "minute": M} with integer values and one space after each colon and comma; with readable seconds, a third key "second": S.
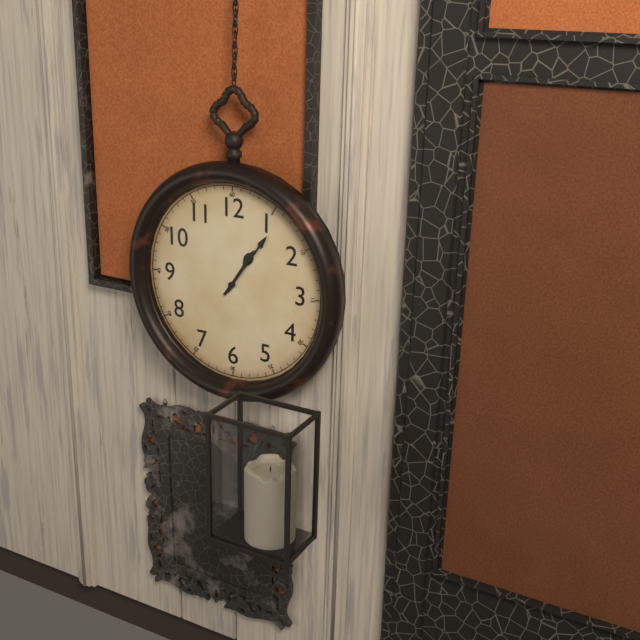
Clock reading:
{"hour": 1, "minute": 6}
